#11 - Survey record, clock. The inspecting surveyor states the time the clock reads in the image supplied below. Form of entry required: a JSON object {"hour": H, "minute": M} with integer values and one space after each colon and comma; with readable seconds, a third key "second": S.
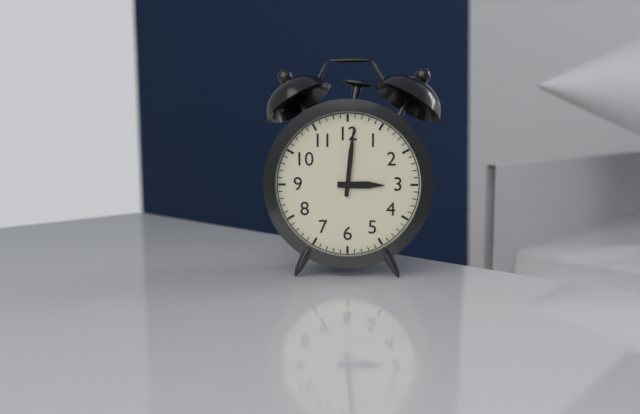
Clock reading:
{"hour": 3, "minute": 1}
